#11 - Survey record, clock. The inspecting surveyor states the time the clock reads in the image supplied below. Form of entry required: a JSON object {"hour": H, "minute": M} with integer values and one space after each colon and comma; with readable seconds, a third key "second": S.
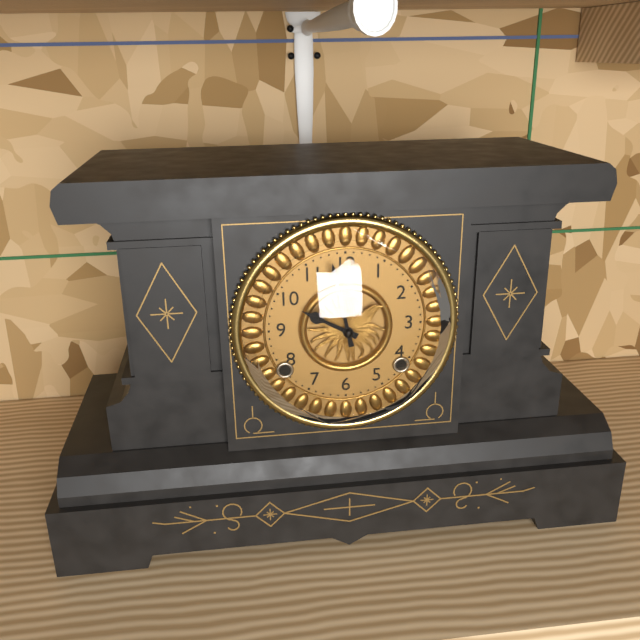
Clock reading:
{"hour": 9, "minute": 58}
